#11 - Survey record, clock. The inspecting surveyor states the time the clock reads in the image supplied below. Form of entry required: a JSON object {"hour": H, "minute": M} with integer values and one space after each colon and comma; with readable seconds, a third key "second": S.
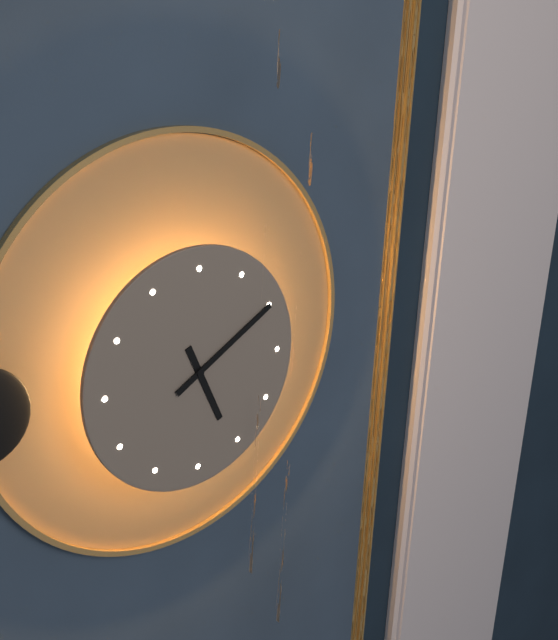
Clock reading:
{"hour": 5, "minute": 10}
